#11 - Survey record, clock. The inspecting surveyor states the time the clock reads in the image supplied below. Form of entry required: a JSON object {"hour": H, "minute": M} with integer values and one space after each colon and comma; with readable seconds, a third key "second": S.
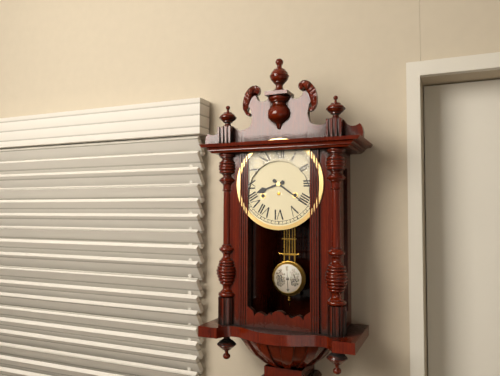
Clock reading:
{"hour": 8, "minute": 21}
